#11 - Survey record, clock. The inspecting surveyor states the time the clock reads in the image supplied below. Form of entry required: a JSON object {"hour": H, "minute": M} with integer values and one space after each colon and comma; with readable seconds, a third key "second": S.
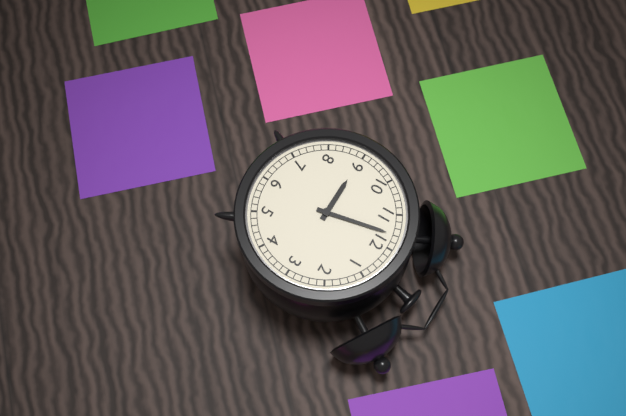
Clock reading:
{"hour": 8, "minute": 58}
